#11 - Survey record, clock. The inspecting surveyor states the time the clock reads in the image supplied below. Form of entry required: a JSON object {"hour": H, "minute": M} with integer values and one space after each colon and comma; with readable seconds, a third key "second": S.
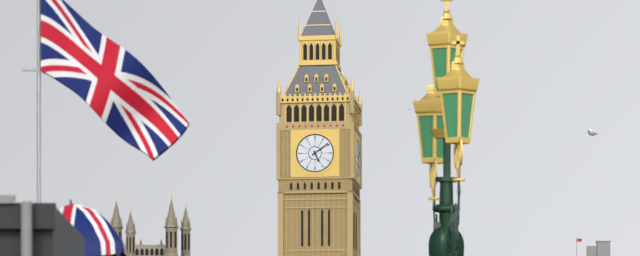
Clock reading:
{"hour": 5, "minute": 9}
